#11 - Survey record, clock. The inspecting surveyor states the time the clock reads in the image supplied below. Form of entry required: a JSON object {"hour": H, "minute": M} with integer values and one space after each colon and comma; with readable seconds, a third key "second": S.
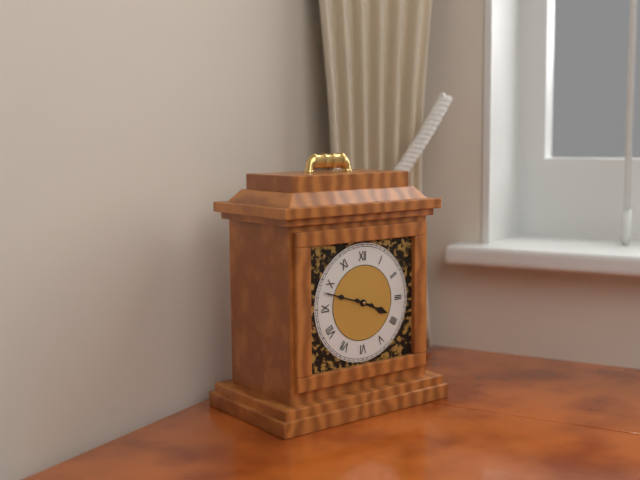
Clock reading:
{"hour": 3, "minute": 48}
